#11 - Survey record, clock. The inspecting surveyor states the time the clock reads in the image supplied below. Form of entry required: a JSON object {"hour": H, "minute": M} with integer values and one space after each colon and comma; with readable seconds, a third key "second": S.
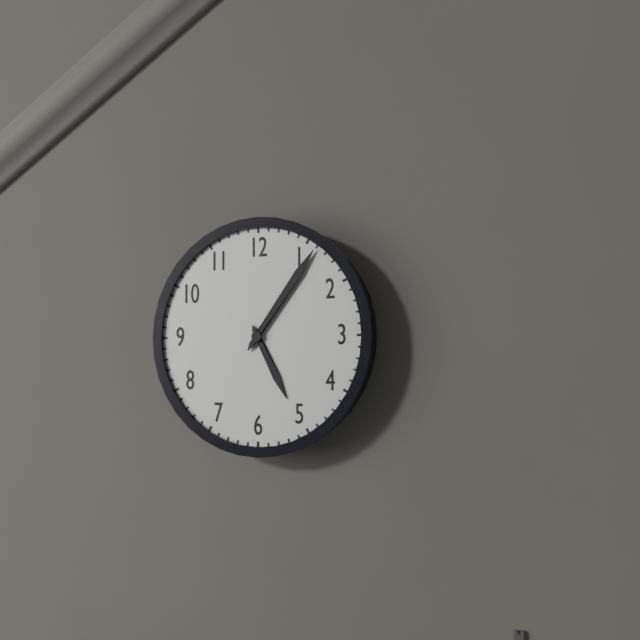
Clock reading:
{"hour": 5, "minute": 6}
